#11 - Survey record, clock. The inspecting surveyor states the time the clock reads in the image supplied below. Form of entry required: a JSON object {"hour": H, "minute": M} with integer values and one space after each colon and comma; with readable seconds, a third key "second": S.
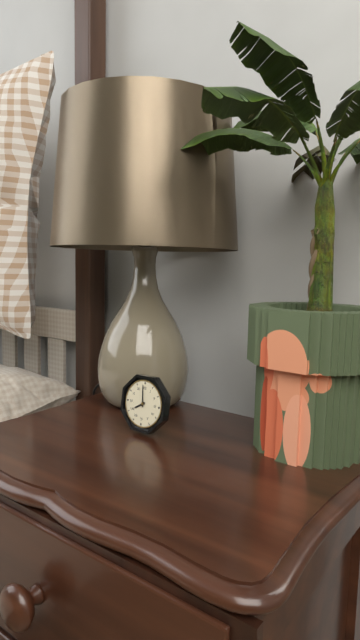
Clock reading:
{"hour": 7, "minute": 59}
